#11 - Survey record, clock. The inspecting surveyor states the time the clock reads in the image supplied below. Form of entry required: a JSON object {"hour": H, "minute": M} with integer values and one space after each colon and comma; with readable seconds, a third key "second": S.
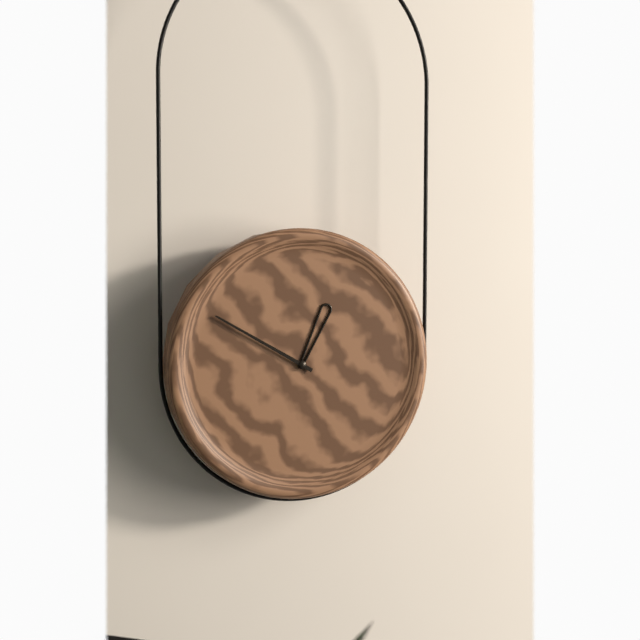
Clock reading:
{"hour": 12, "minute": 50}
